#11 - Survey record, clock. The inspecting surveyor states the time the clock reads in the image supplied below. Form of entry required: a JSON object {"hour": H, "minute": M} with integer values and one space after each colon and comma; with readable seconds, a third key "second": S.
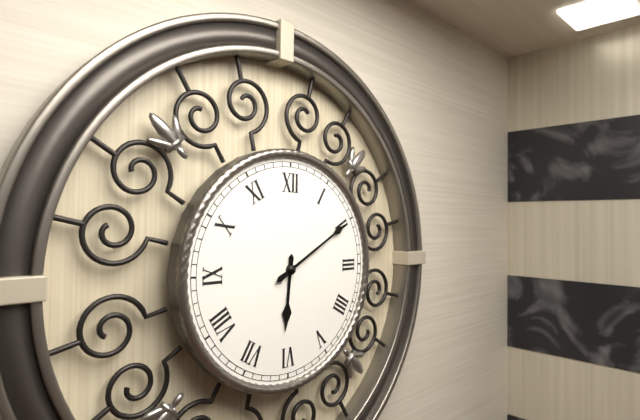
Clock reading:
{"hour": 6, "minute": 10}
